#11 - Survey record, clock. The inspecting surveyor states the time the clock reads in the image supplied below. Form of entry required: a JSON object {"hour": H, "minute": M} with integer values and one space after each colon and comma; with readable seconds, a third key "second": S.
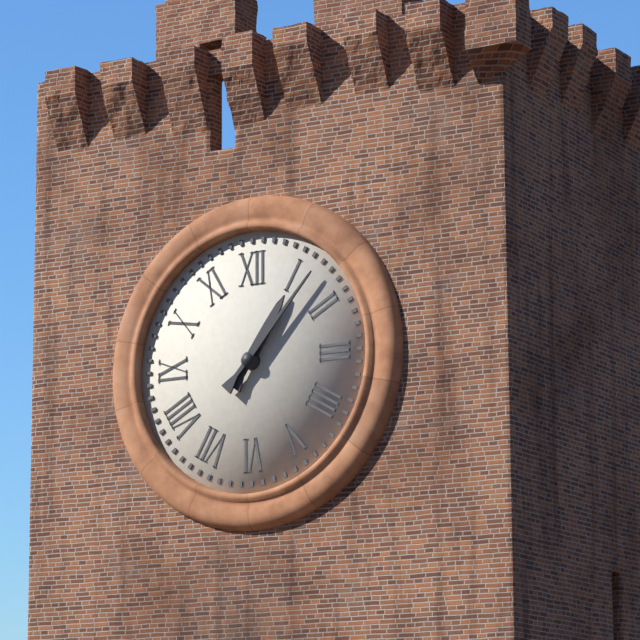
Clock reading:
{"hour": 1, "minute": 7}
